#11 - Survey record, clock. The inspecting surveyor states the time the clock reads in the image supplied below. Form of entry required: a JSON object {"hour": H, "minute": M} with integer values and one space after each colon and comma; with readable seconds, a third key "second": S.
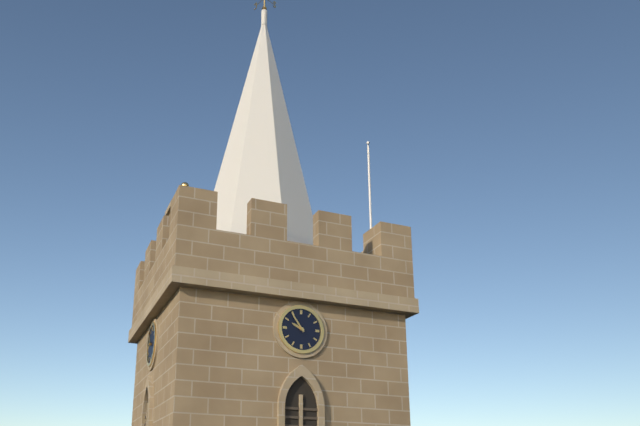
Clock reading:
{"hour": 9, "minute": 54}
